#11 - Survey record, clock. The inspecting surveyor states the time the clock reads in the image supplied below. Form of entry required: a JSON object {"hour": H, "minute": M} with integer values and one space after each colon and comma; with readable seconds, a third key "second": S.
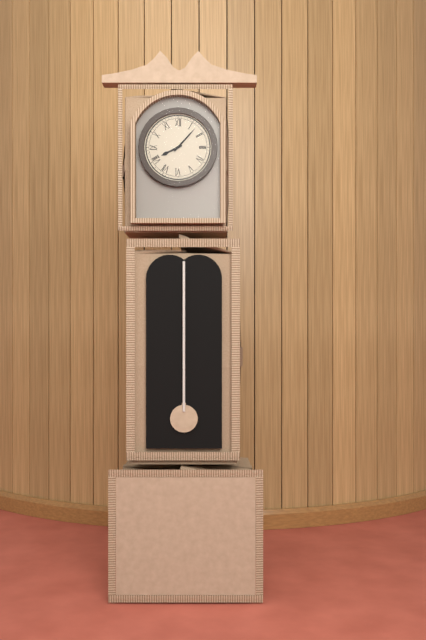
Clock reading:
{"hour": 8, "minute": 7}
